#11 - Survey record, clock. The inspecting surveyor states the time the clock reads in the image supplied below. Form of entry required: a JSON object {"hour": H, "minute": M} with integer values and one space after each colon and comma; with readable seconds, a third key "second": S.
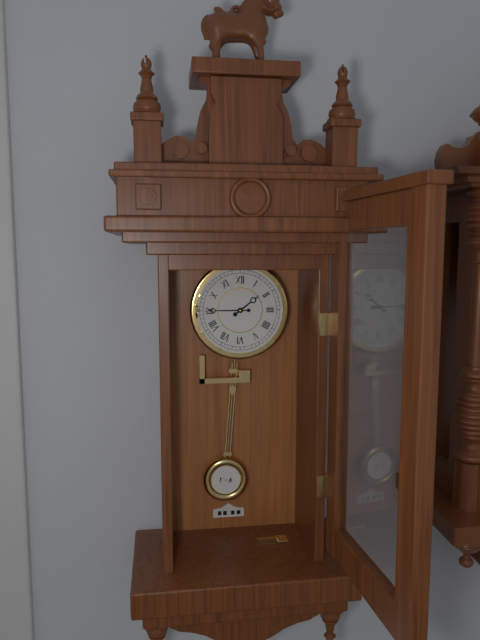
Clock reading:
{"hour": 1, "minute": 45}
